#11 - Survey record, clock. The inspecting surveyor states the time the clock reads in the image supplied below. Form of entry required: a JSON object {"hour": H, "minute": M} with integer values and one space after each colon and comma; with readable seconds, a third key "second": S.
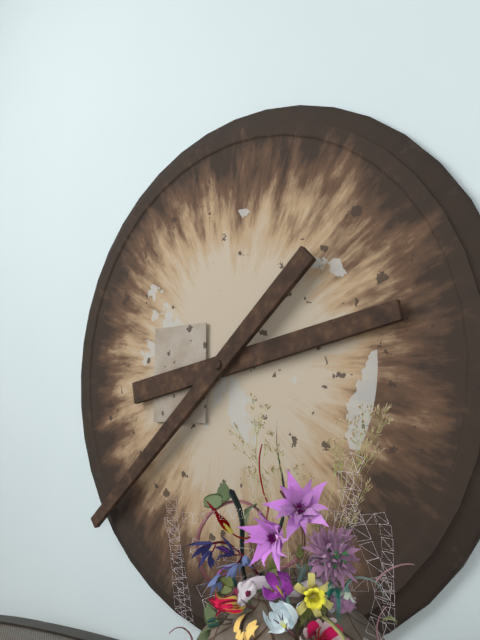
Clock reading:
{"hour": 2, "minute": 38}
